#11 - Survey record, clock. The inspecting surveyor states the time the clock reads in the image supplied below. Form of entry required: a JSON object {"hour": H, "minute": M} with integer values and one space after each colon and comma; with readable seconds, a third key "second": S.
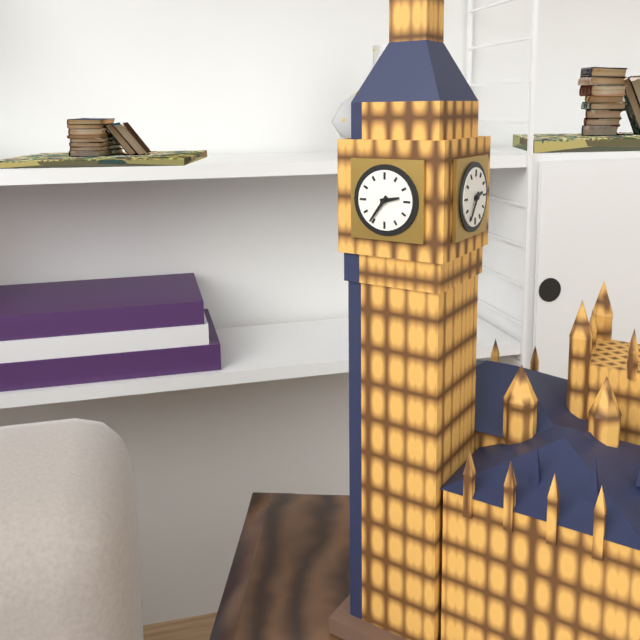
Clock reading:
{"hour": 2, "minute": 36}
